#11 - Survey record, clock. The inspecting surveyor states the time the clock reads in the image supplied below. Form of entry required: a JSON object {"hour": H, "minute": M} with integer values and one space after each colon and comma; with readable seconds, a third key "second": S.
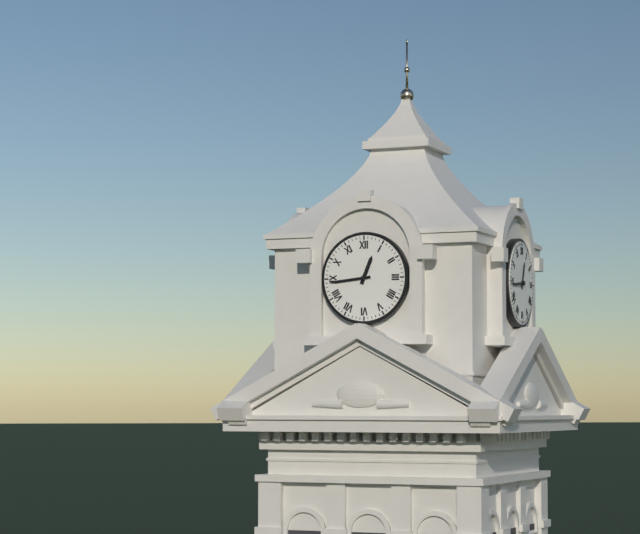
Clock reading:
{"hour": 12, "minute": 44}
